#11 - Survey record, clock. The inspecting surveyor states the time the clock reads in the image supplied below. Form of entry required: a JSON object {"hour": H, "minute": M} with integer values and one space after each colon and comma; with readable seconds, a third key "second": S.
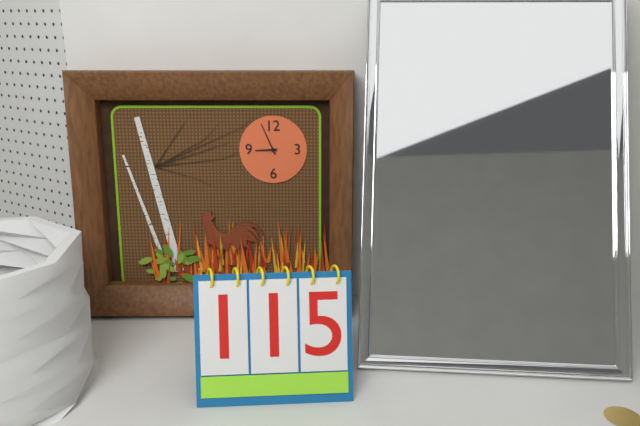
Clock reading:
{"hour": 8, "minute": 56}
